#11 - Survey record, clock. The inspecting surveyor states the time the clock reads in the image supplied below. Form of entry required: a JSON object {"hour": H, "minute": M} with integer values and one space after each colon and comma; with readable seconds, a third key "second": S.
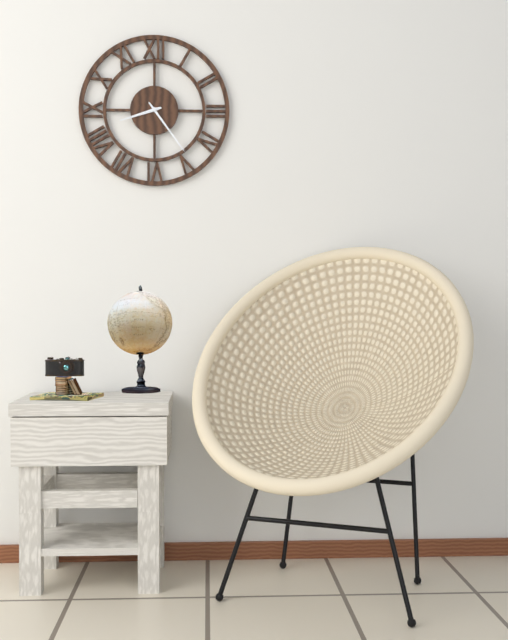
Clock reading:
{"hour": 8, "minute": 24}
